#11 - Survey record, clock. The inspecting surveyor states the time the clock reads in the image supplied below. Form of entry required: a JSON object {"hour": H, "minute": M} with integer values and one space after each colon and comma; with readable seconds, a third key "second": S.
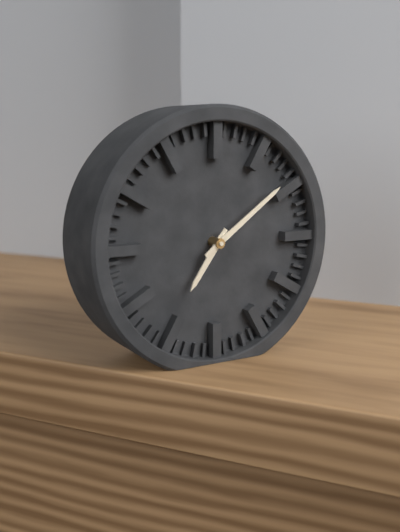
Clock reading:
{"hour": 7, "minute": 9}
